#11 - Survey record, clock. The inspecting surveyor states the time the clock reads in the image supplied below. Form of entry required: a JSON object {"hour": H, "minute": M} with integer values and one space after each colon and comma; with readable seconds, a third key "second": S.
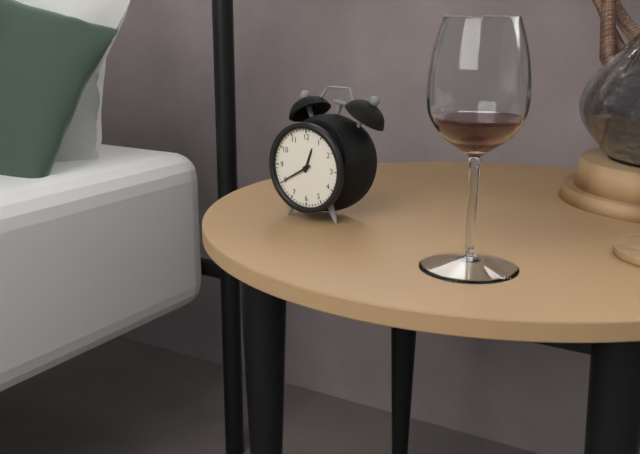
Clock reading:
{"hour": 12, "minute": 40}
